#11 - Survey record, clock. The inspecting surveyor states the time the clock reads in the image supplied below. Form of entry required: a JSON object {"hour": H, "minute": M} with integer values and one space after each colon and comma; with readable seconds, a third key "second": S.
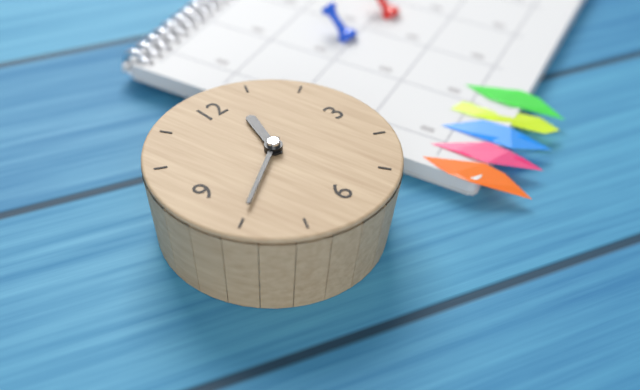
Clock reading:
{"hour": 12, "minute": 40}
